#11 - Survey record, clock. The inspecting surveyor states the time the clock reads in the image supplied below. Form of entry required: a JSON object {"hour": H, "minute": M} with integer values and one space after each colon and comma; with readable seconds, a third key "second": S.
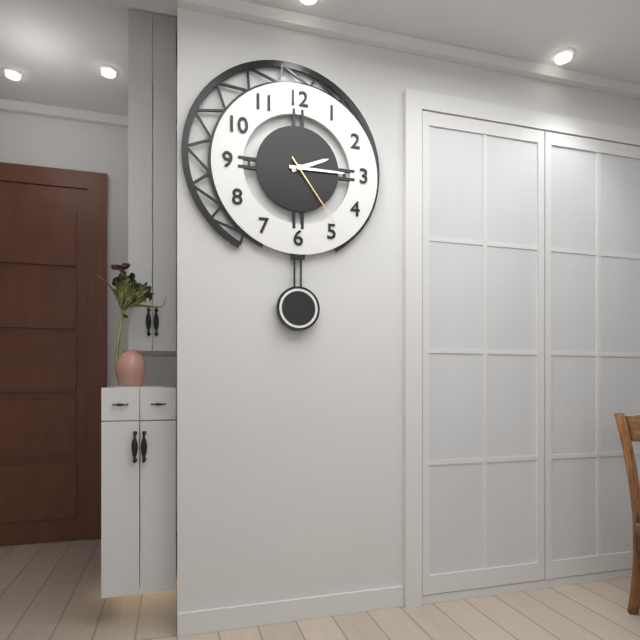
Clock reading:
{"hour": 2, "minute": 15, "second": 24}
